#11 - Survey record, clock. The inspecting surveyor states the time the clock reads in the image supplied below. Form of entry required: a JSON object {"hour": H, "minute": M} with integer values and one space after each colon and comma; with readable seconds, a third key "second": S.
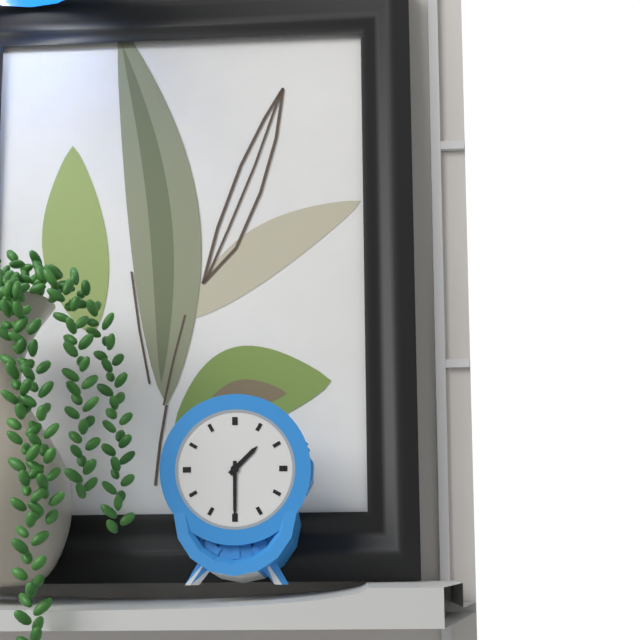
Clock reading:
{"hour": 1, "minute": 30}
